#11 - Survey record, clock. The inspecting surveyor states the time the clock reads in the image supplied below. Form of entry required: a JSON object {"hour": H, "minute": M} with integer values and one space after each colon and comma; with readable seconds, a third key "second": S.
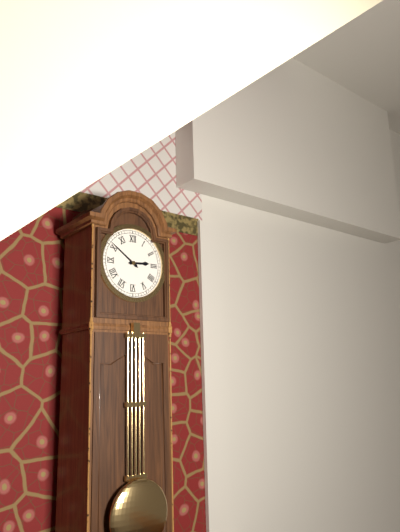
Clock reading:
{"hour": 2, "minute": 51}
